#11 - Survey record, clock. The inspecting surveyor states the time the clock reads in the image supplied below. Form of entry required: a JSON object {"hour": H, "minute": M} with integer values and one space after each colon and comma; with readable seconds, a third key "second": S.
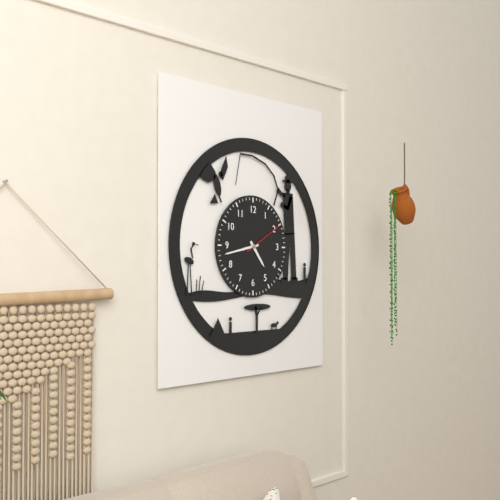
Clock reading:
{"hour": 4, "minute": 43}
